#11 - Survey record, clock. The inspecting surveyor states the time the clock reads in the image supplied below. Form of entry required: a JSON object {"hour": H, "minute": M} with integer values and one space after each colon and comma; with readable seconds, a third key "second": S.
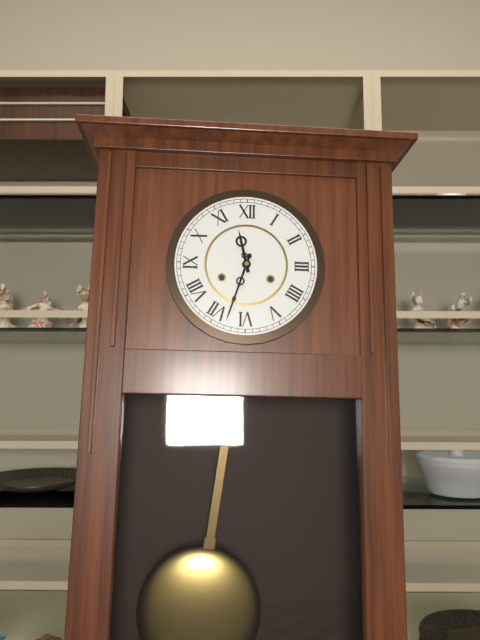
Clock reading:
{"hour": 11, "minute": 33}
